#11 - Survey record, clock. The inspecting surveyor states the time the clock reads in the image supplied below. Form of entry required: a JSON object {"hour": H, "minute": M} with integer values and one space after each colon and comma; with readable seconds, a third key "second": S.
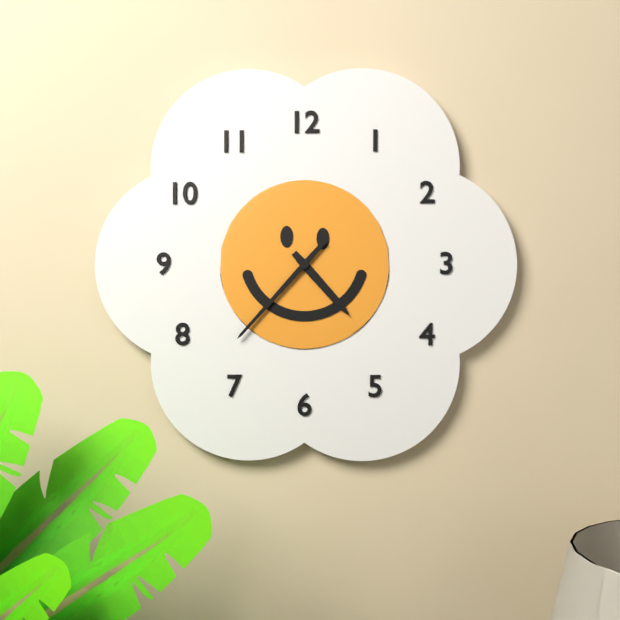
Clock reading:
{"hour": 4, "minute": 37}
